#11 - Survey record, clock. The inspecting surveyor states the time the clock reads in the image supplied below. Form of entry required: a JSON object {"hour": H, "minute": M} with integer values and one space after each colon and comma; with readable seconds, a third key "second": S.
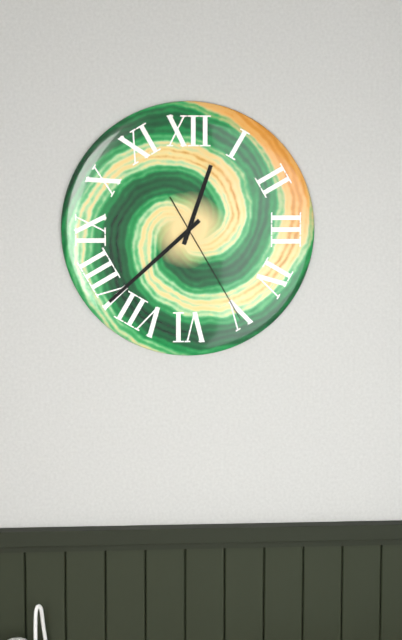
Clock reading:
{"hour": 12, "minute": 38, "second": 25}
